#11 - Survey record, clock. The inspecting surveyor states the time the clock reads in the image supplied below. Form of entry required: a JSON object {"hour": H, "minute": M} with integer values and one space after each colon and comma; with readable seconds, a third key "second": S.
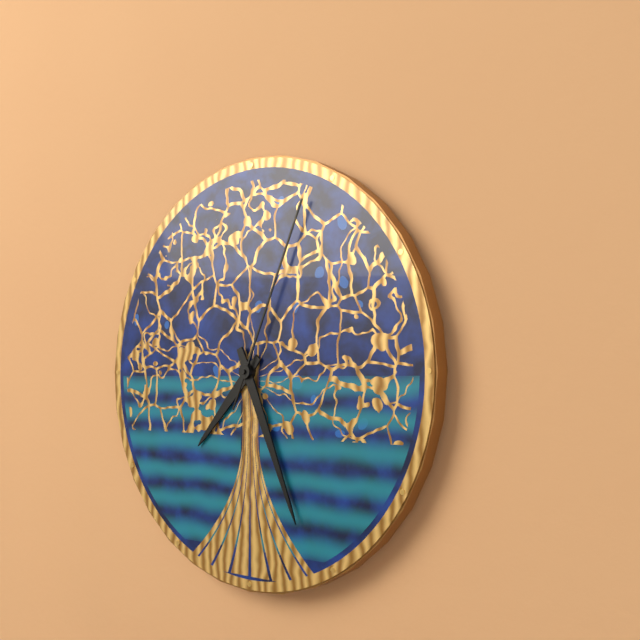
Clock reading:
{"hour": 7, "minute": 26, "second": 4}
